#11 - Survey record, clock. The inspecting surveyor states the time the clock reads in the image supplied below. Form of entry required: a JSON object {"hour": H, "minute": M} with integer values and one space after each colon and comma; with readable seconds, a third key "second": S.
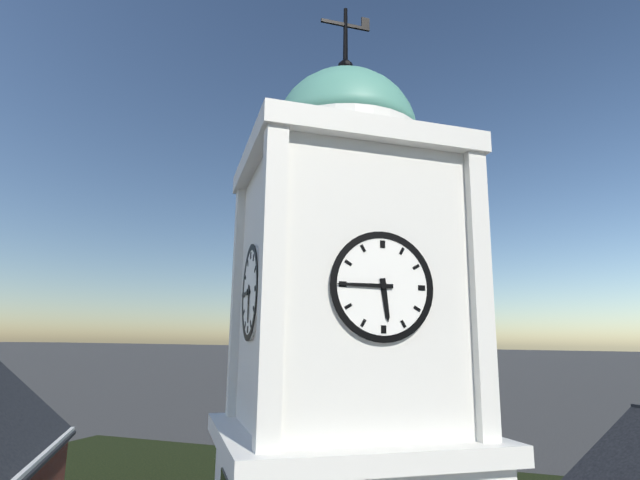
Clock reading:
{"hour": 5, "minute": 45}
